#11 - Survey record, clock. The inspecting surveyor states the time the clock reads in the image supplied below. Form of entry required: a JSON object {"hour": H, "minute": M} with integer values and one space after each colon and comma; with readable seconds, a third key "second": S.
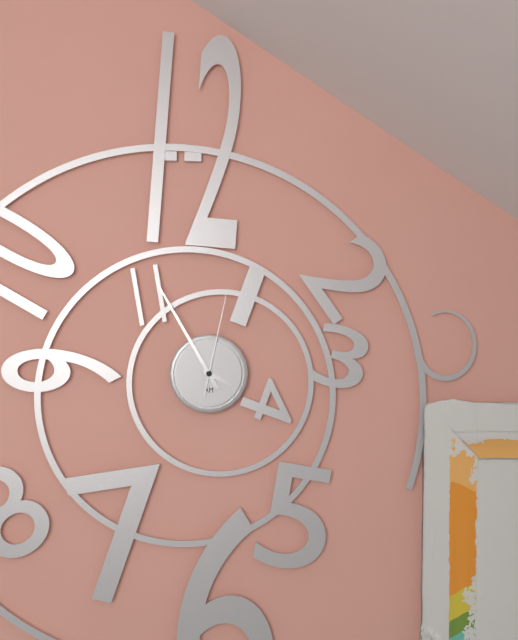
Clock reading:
{"hour": 3, "minute": 55, "second": 2}
